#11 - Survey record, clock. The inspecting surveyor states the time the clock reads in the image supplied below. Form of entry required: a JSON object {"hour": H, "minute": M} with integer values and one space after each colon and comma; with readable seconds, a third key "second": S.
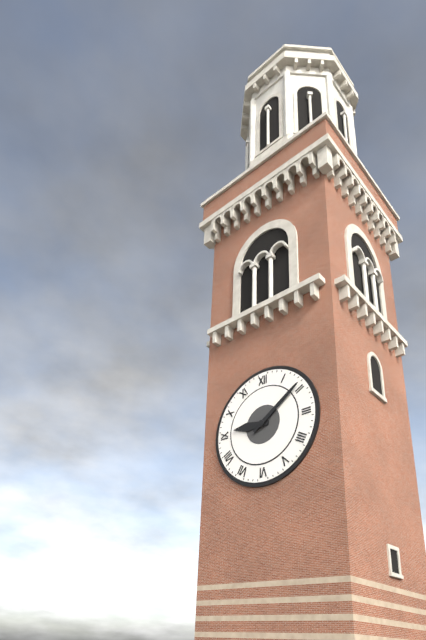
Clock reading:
{"hour": 9, "minute": 9}
